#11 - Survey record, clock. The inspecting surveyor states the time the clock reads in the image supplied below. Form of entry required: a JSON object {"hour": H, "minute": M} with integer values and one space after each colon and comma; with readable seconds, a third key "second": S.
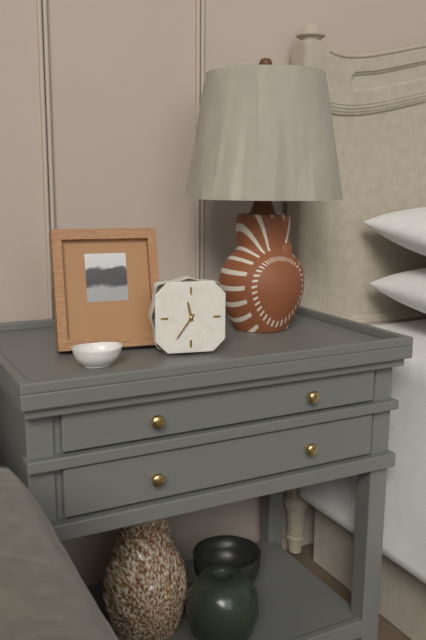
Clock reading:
{"hour": 11, "minute": 36}
